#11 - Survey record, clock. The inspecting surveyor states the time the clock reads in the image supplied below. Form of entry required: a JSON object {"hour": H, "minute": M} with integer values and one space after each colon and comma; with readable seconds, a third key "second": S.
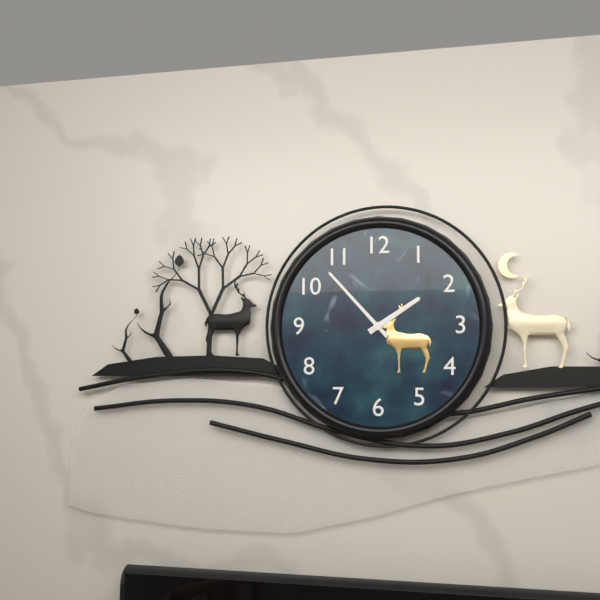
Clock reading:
{"hour": 1, "minute": 53}
